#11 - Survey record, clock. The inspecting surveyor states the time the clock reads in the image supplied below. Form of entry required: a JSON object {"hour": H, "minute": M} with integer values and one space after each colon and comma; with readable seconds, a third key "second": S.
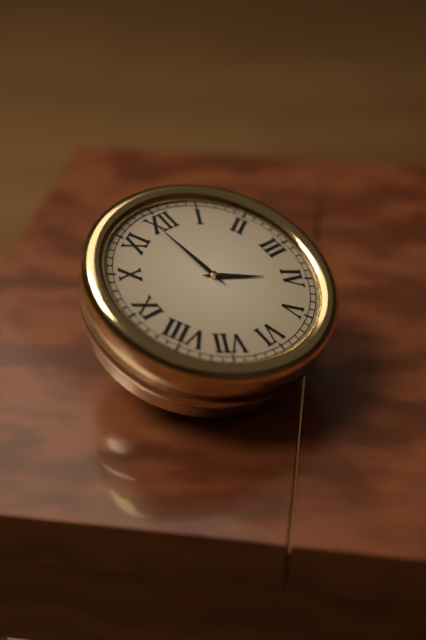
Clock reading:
{"hour": 3, "minute": 59}
